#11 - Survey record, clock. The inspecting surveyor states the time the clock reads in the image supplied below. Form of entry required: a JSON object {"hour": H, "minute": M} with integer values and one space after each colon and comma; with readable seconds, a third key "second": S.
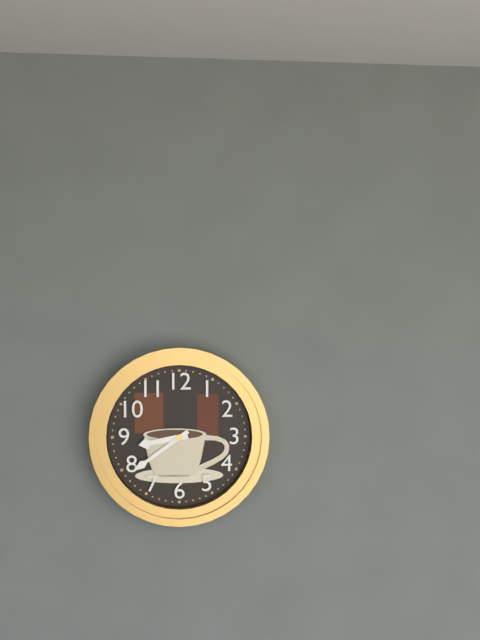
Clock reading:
{"hour": 8, "minute": 39}
